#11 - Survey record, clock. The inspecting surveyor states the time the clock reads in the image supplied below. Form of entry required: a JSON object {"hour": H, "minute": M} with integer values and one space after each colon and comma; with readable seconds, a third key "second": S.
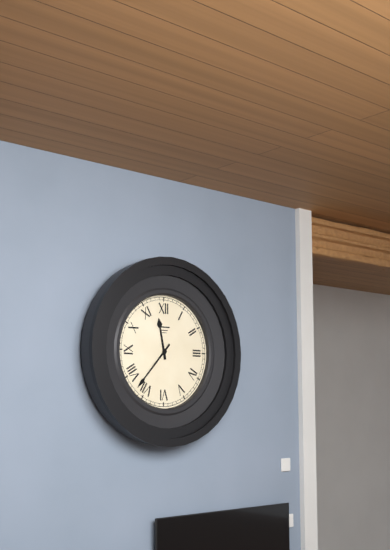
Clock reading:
{"hour": 11, "minute": 37}
